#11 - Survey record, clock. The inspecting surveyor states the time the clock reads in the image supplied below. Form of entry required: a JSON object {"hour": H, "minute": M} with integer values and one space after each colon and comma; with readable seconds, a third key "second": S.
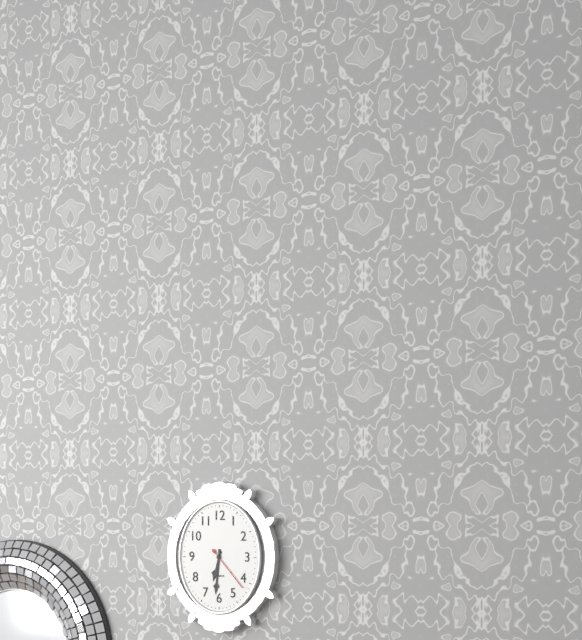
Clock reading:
{"hour": 6, "minute": 31}
